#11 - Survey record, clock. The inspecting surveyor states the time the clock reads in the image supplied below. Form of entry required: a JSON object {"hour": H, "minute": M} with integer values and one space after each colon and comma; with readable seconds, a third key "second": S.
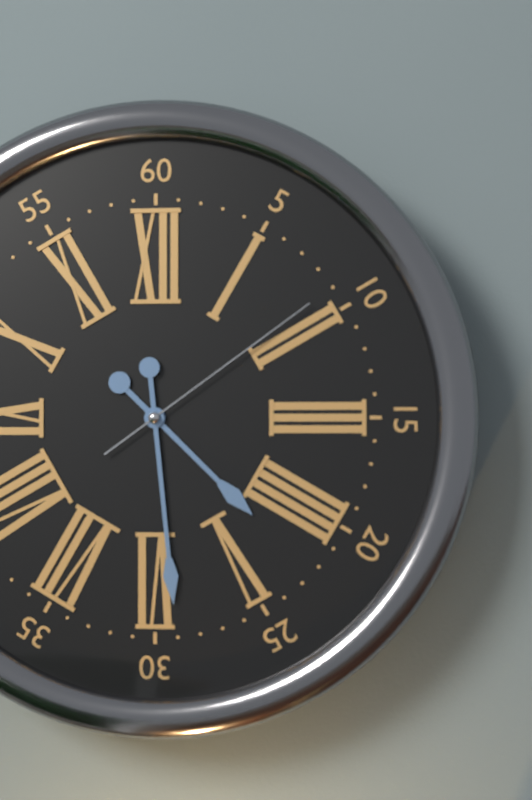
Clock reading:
{"hour": 4, "minute": 29, "second": 9}
